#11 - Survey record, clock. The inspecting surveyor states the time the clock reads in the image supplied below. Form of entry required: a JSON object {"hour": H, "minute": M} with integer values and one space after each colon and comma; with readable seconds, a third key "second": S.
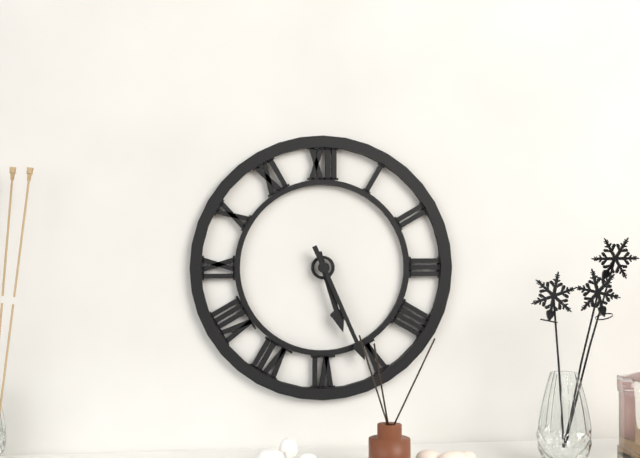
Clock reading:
{"hour": 5, "minute": 26}
